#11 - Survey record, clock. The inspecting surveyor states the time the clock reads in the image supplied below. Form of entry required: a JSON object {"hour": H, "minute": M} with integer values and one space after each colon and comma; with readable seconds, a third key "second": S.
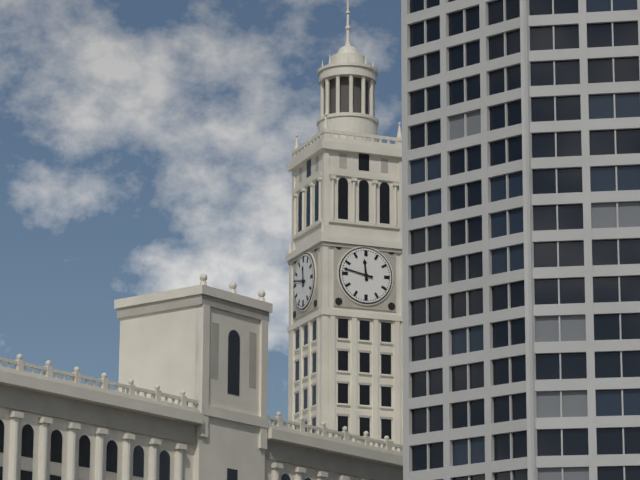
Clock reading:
{"hour": 11, "minute": 47}
